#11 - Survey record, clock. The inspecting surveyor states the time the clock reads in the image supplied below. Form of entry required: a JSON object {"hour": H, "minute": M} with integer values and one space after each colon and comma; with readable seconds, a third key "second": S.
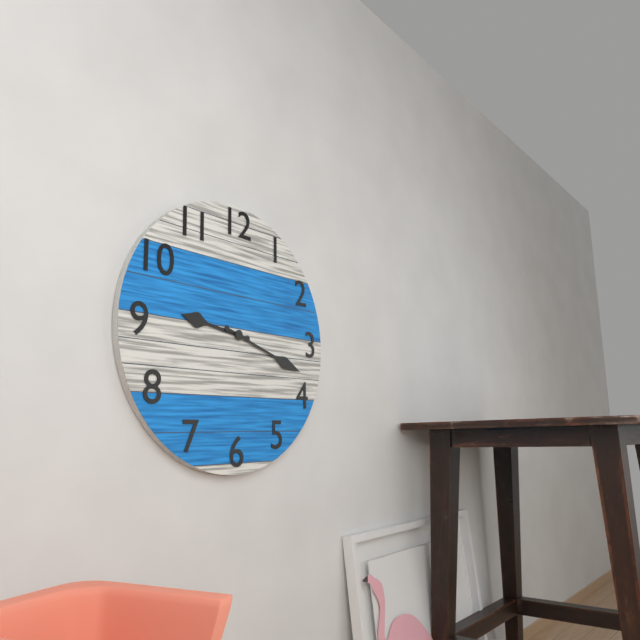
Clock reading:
{"hour": 9, "minute": 18}
